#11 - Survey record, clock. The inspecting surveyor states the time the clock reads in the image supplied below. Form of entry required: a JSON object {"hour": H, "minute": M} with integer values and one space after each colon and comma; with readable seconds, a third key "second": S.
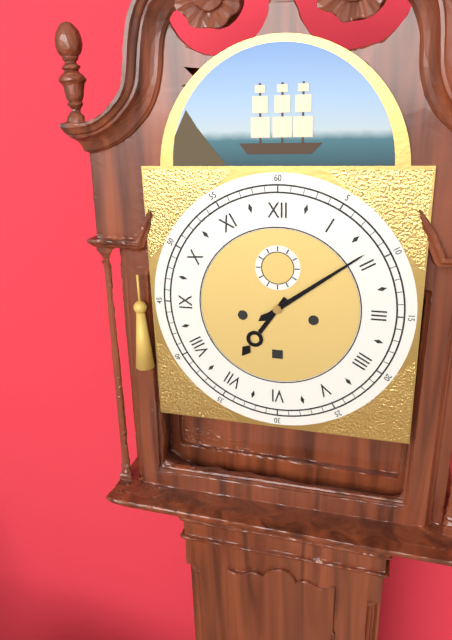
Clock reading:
{"hour": 7, "minute": 9}
